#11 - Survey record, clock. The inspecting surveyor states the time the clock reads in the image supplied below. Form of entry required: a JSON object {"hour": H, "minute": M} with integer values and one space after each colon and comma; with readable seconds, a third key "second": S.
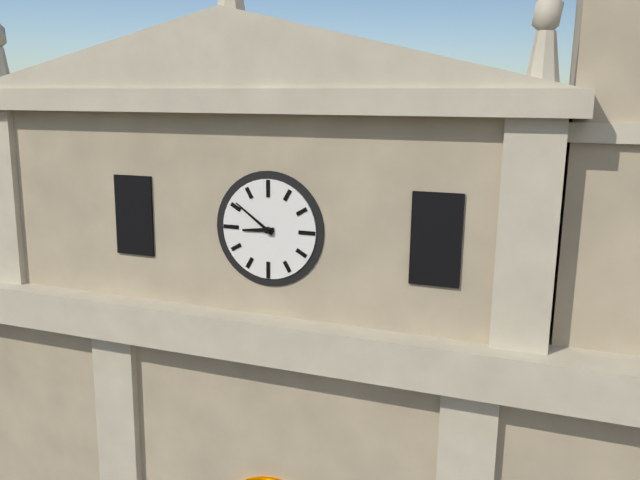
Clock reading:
{"hour": 8, "minute": 51}
